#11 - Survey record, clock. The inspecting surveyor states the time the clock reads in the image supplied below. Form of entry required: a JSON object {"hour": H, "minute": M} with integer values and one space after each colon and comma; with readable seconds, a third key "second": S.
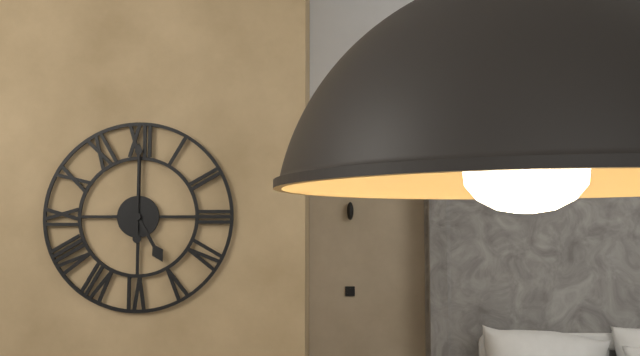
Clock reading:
{"hour": 5, "minute": 0}
